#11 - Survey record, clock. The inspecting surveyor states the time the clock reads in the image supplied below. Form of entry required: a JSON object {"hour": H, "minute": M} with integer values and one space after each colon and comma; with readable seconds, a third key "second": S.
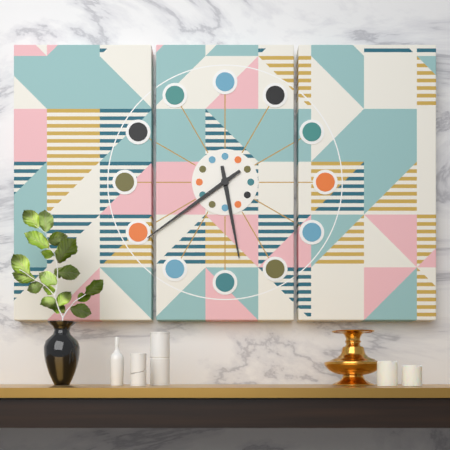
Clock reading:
{"hour": 5, "minute": 39}
